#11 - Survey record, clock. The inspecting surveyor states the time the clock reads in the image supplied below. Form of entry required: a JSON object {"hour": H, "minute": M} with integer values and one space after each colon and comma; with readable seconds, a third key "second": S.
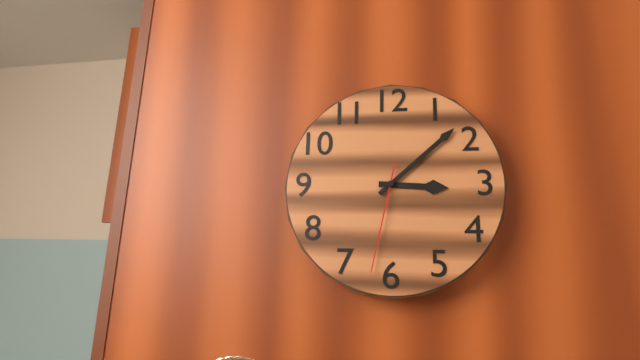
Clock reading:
{"hour": 3, "minute": 8, "second": 32}
